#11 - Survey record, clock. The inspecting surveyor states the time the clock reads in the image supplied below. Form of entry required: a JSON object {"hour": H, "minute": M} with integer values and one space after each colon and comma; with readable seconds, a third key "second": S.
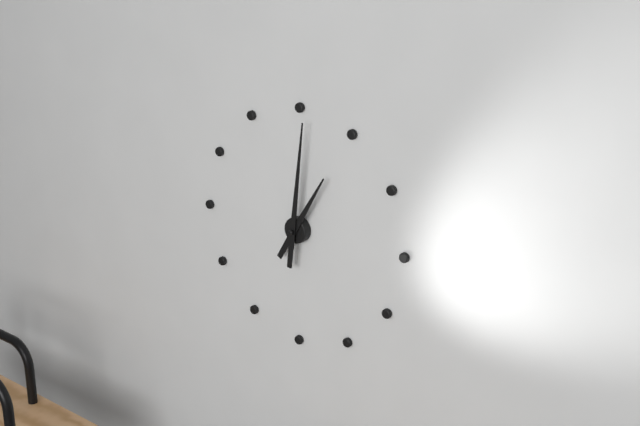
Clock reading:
{"hour": 1, "minute": 1}
